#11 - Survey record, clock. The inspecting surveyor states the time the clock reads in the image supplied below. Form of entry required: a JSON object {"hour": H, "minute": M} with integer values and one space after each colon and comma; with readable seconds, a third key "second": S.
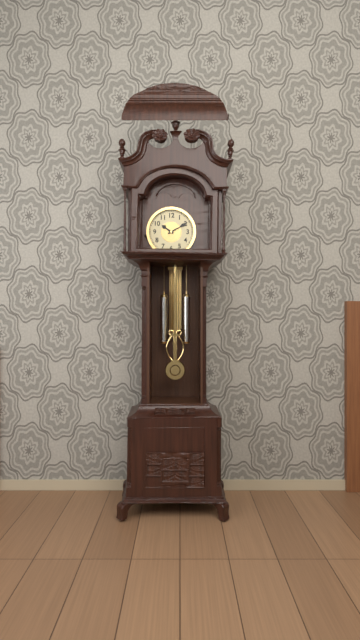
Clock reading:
{"hour": 10, "minute": 10}
